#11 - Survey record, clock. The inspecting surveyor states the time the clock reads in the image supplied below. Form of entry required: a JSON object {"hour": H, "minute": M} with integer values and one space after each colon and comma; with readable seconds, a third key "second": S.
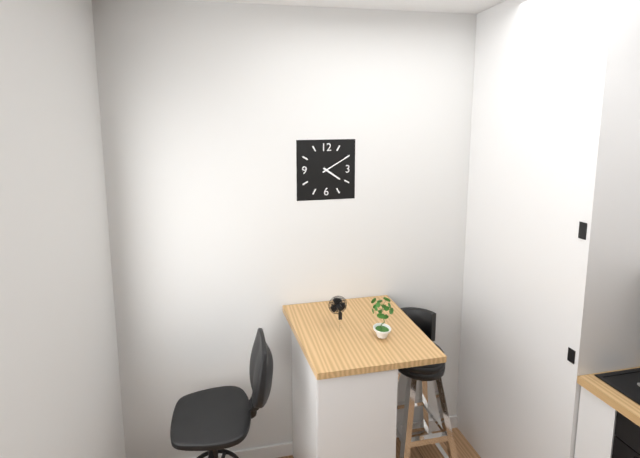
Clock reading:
{"hour": 4, "minute": 10}
